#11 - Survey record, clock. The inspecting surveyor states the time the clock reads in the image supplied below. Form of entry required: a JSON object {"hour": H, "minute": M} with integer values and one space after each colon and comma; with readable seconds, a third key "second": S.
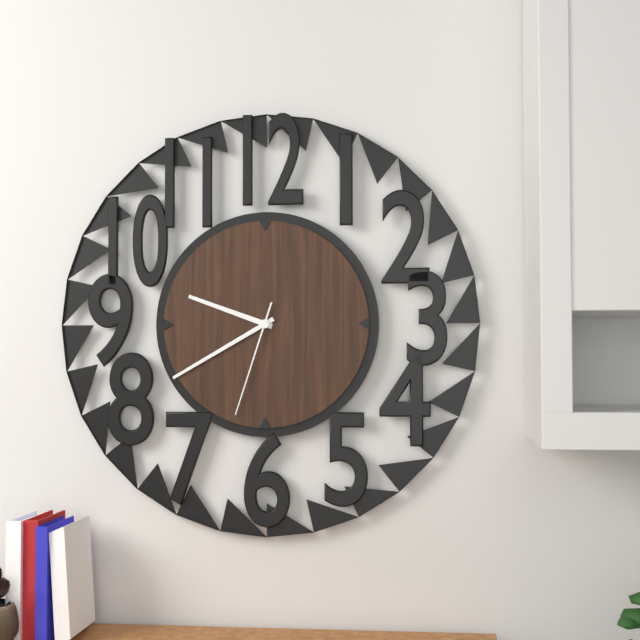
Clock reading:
{"hour": 9, "minute": 40, "second": 33}
